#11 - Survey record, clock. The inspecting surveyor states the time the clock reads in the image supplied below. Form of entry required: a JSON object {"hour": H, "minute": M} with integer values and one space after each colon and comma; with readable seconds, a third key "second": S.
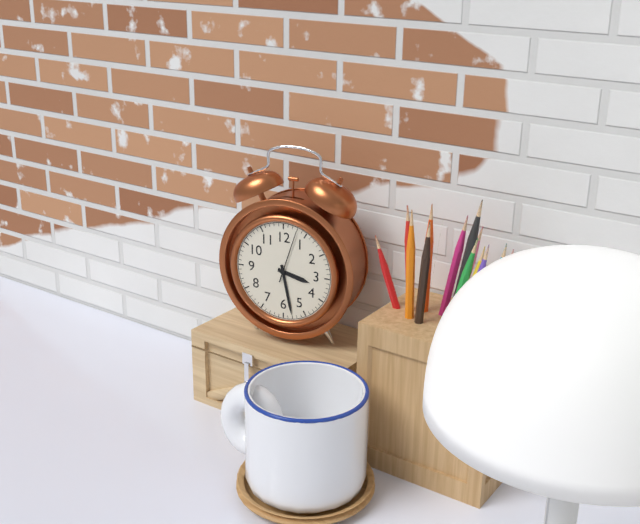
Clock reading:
{"hour": 3, "minute": 28, "second": 3}
